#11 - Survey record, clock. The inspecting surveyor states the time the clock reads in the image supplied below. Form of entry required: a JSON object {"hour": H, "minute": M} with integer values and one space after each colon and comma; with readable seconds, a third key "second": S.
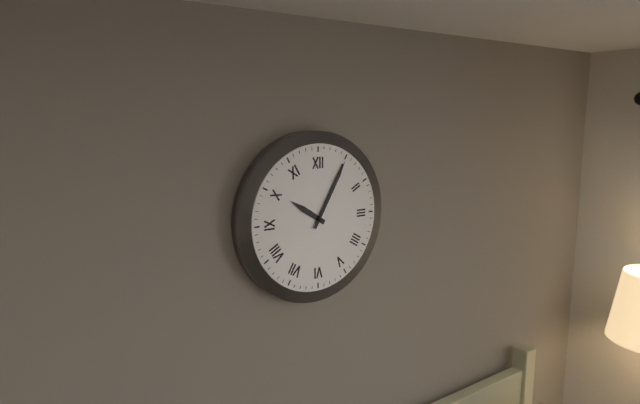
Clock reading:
{"hour": 10, "minute": 5}
